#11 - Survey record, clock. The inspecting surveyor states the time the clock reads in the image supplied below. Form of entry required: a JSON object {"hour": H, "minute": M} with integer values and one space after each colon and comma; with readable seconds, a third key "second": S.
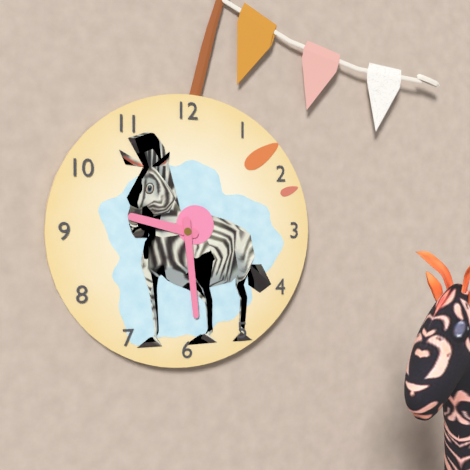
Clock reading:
{"hour": 9, "minute": 29}
